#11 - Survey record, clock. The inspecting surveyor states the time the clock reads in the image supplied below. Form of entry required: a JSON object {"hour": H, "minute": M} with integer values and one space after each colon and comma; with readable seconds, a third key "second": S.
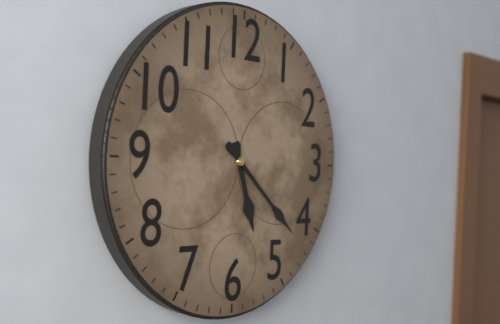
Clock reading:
{"hour": 5, "minute": 22}
